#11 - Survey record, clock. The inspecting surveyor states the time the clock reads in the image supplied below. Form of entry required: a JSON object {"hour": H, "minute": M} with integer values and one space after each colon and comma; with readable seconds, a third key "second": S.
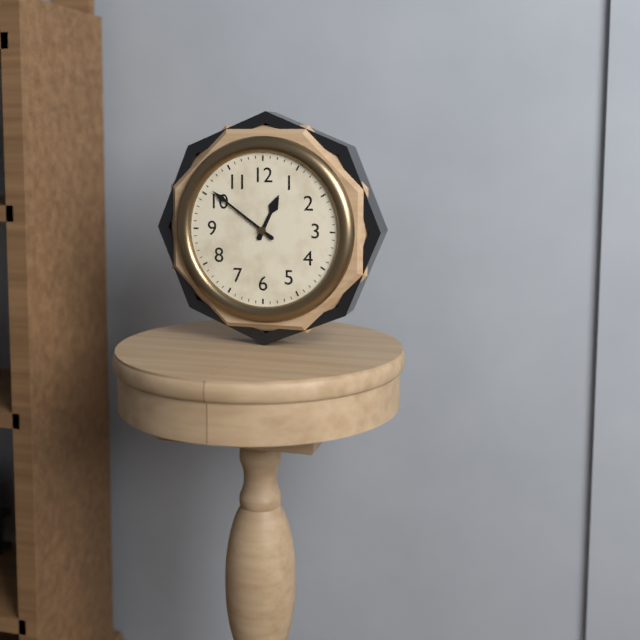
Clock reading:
{"hour": 12, "minute": 51}
